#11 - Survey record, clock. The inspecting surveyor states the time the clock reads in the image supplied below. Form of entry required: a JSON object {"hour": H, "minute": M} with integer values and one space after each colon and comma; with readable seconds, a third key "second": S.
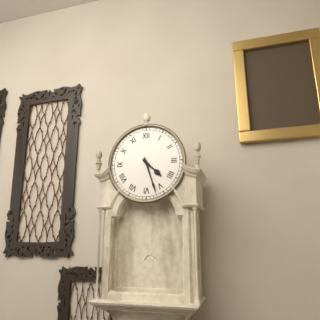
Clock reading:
{"hour": 4, "minute": 27}
